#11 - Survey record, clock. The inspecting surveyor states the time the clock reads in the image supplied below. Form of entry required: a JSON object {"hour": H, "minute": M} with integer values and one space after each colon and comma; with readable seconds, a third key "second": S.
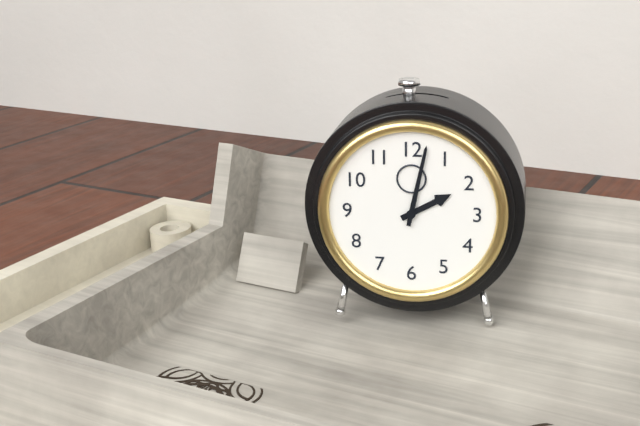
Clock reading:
{"hour": 2, "minute": 2}
